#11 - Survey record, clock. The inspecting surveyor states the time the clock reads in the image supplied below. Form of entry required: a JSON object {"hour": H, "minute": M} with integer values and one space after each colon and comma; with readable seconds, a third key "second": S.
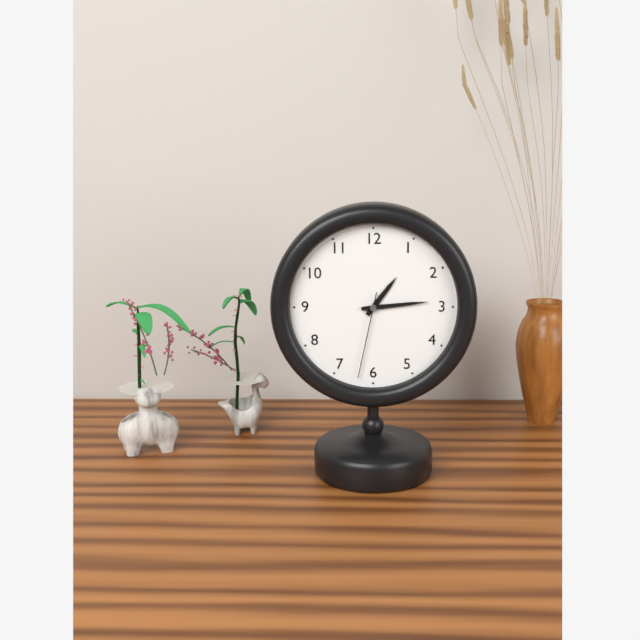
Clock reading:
{"hour": 1, "minute": 14, "second": 32}
